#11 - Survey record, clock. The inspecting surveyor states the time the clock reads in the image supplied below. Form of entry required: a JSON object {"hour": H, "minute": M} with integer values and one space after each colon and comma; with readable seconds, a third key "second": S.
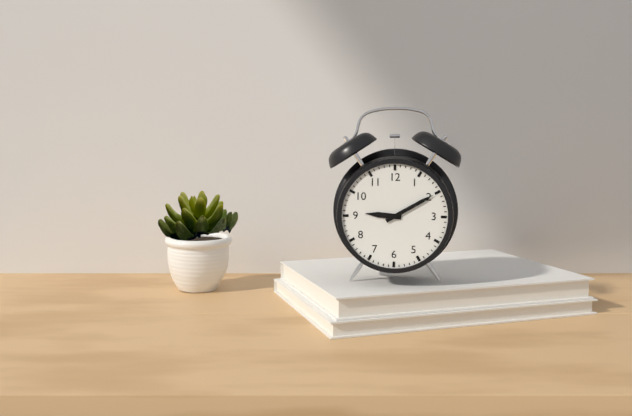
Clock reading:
{"hour": 9, "minute": 10}
